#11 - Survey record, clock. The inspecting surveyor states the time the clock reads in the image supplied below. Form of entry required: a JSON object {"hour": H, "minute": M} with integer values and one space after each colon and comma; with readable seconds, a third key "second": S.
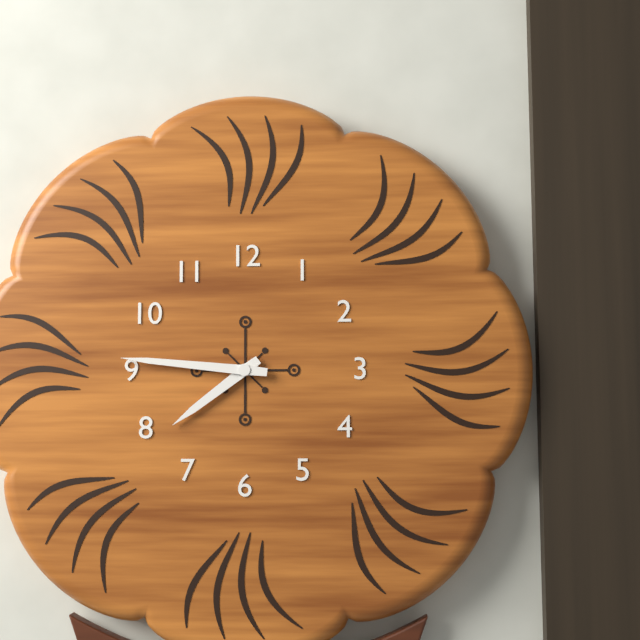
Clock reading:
{"hour": 7, "minute": 46}
